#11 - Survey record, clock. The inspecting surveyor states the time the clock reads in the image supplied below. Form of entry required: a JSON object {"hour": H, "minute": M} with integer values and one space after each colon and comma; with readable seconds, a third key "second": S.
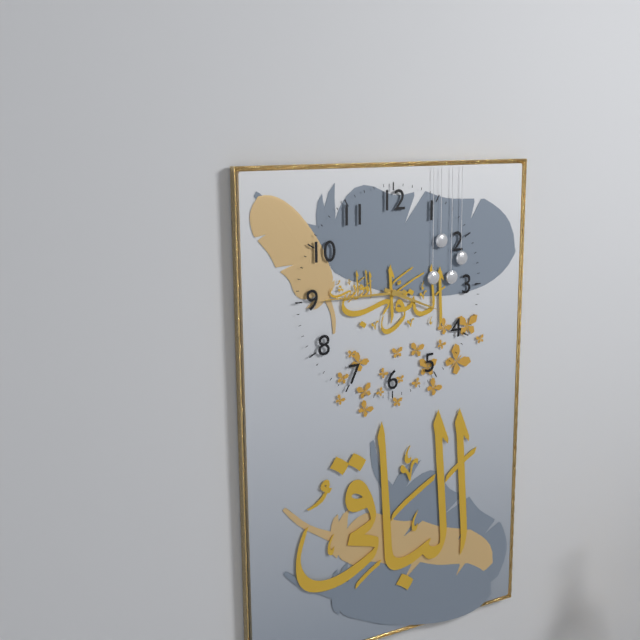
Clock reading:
{"hour": 3, "minute": 45}
